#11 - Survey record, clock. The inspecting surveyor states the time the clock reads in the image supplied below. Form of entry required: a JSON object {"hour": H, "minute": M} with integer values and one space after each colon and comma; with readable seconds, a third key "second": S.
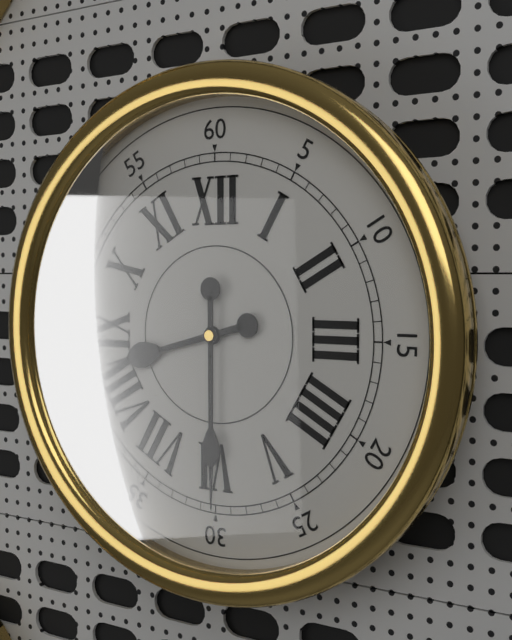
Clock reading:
{"hour": 8, "minute": 30}
